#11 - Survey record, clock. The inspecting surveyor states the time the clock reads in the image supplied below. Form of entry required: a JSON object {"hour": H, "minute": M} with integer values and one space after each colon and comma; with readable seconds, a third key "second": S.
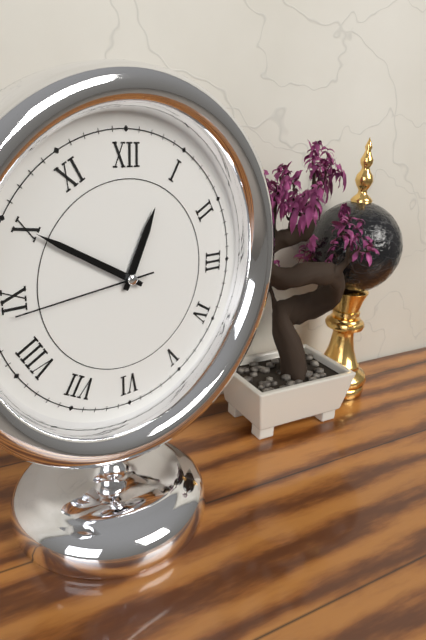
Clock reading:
{"hour": 12, "minute": 50, "second": 44}
